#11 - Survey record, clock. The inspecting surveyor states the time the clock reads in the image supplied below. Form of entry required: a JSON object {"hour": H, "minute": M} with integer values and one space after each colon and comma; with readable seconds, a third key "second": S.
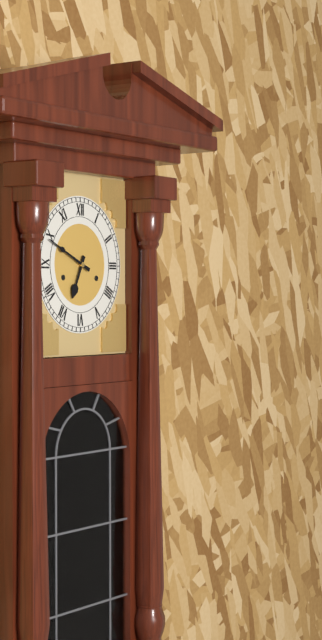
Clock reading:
{"hour": 6, "minute": 49}
